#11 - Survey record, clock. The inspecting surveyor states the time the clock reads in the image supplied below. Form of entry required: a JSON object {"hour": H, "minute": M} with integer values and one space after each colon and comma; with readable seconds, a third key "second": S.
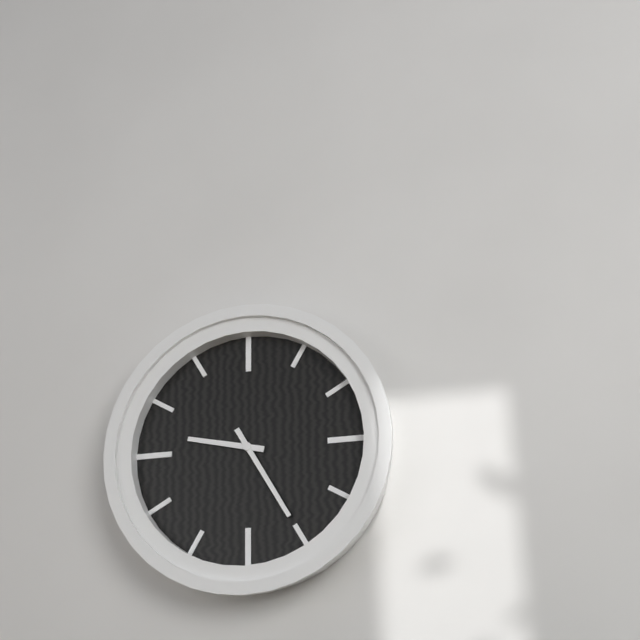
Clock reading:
{"hour": 9, "minute": 25}
